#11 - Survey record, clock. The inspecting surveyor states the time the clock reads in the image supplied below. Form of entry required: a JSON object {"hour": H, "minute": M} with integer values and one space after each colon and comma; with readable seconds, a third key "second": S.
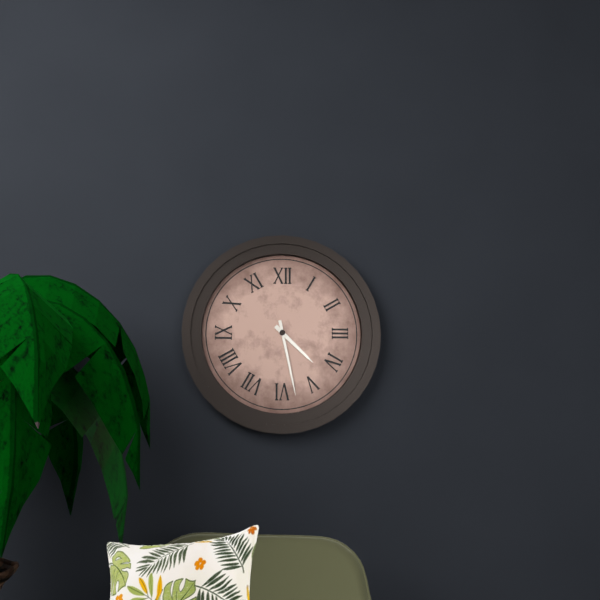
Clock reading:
{"hour": 4, "minute": 28}
